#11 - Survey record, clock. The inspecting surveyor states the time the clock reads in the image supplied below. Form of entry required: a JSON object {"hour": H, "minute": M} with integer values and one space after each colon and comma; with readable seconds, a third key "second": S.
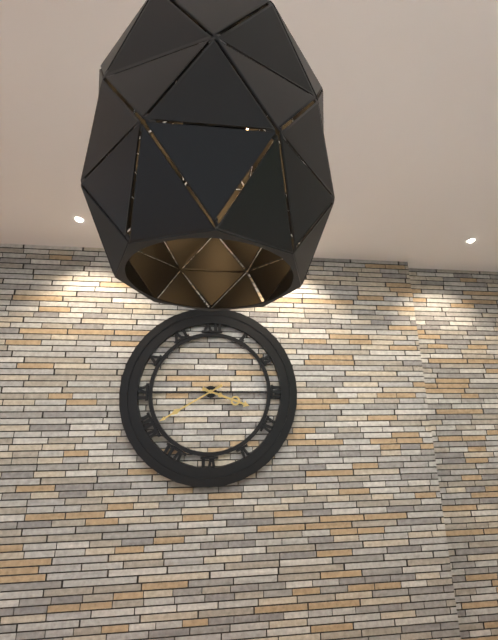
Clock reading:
{"hour": 3, "minute": 40}
